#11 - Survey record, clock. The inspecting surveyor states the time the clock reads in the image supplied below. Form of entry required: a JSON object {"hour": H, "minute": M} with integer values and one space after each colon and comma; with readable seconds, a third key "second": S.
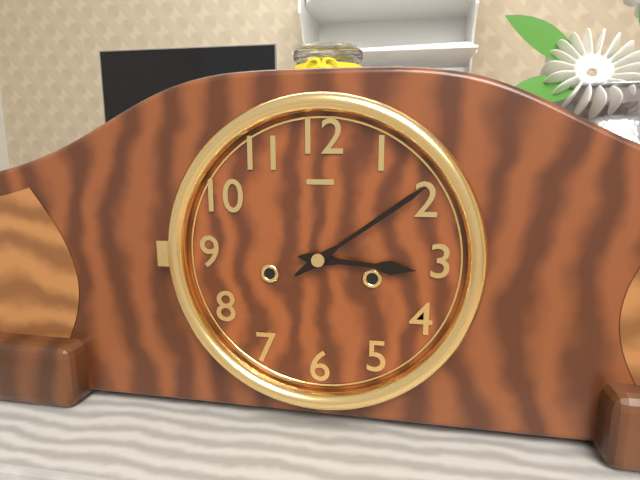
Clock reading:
{"hour": 3, "minute": 9}
